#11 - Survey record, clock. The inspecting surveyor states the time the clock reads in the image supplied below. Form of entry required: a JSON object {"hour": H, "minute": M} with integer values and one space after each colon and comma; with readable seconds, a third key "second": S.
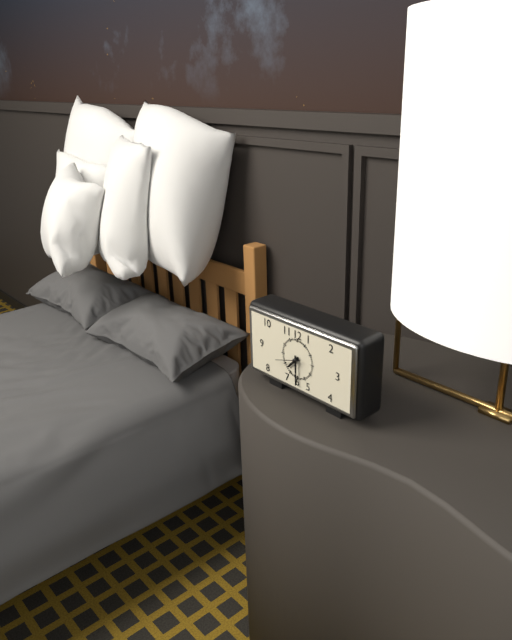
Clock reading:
{"hour": 7, "minute": 30}
